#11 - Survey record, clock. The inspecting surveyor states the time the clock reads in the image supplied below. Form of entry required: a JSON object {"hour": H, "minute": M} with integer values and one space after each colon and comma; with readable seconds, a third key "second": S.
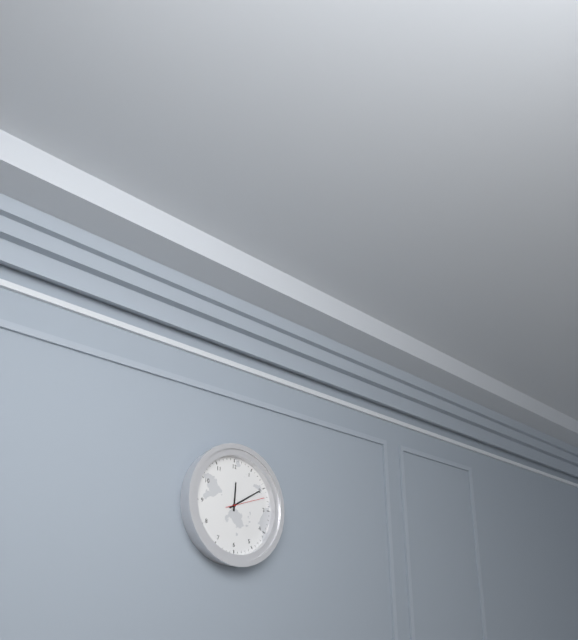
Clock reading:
{"hour": 12, "minute": 10}
